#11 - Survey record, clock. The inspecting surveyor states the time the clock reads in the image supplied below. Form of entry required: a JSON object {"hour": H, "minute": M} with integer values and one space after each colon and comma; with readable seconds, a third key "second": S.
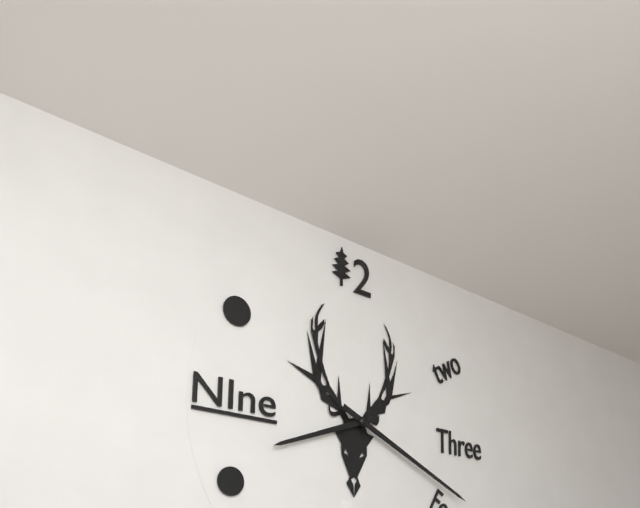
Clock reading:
{"hour": 8, "minute": 19}
